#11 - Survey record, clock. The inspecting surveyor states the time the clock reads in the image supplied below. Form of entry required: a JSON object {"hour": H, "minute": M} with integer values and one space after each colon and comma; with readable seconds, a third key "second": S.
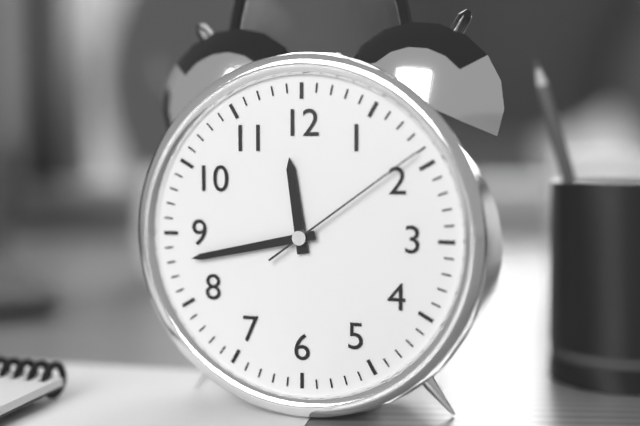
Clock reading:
{"hour": 11, "minute": 43, "second": 9}
